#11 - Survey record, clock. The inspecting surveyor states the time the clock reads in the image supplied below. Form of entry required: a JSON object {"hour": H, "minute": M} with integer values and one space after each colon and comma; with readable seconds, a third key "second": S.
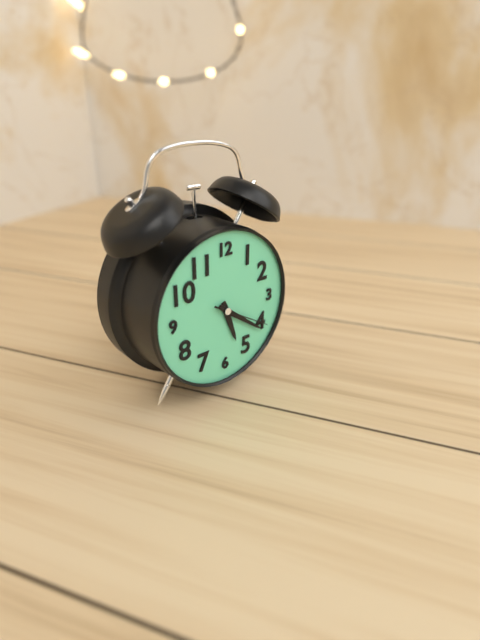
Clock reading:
{"hour": 5, "minute": 21, "second": 20}
